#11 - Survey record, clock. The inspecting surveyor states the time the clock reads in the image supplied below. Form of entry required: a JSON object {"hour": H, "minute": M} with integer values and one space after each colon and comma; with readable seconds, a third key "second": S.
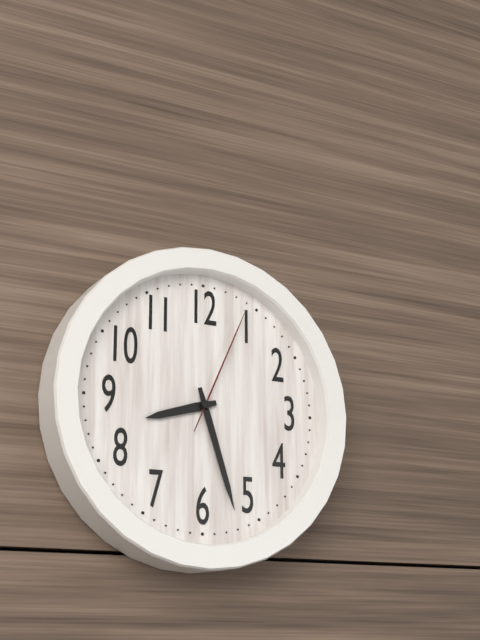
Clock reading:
{"hour": 8, "minute": 27, "second": 4}
